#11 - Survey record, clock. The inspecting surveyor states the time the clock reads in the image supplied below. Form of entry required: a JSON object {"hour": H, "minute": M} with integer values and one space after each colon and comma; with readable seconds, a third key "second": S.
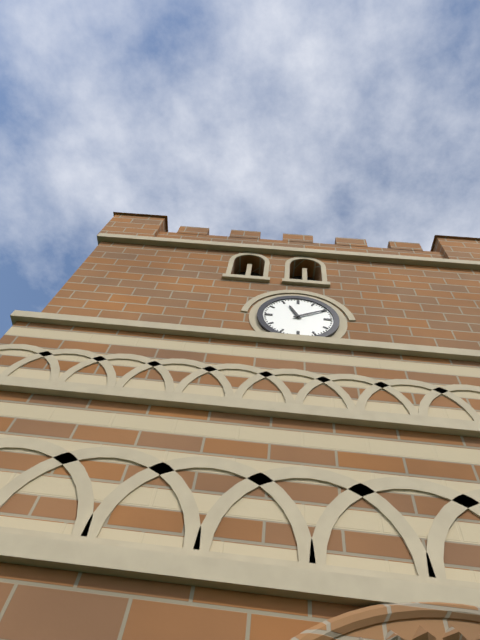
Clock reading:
{"hour": 11, "minute": 10}
